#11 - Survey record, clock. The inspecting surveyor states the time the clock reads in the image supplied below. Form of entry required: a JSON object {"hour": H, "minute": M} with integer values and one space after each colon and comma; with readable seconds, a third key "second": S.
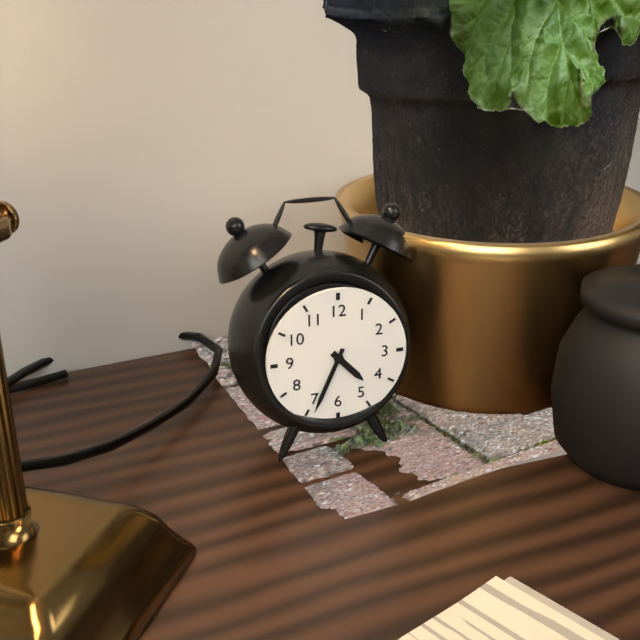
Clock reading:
{"hour": 4, "minute": 34}
